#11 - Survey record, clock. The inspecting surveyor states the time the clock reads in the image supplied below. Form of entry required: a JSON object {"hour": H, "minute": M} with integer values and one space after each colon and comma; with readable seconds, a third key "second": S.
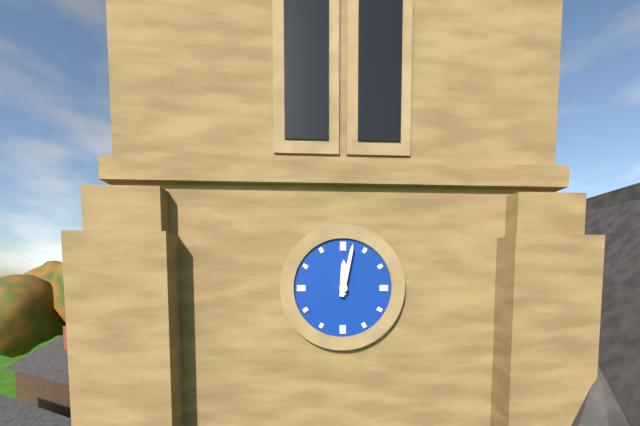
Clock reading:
{"hour": 12, "minute": 2}
